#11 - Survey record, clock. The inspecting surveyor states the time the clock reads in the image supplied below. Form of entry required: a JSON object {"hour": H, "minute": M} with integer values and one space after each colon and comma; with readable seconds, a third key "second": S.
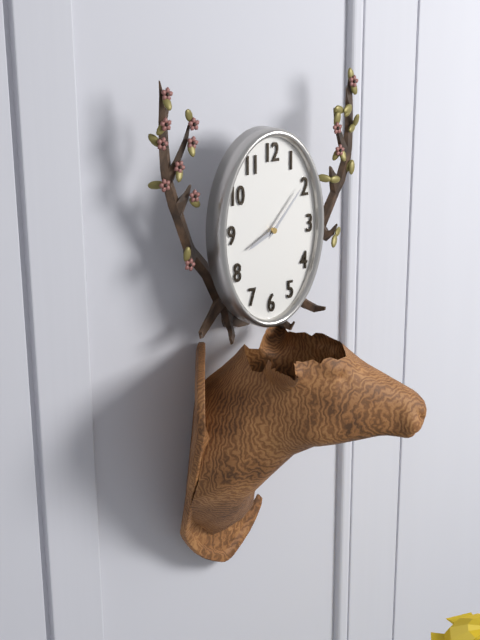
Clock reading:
{"hour": 8, "minute": 7}
